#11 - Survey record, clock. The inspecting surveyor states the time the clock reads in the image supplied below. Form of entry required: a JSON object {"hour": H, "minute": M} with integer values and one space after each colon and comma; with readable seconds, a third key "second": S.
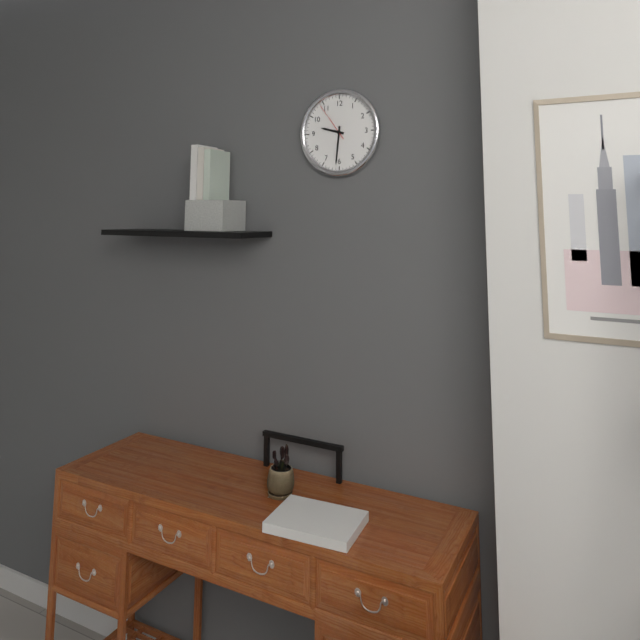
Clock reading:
{"hour": 9, "minute": 31}
